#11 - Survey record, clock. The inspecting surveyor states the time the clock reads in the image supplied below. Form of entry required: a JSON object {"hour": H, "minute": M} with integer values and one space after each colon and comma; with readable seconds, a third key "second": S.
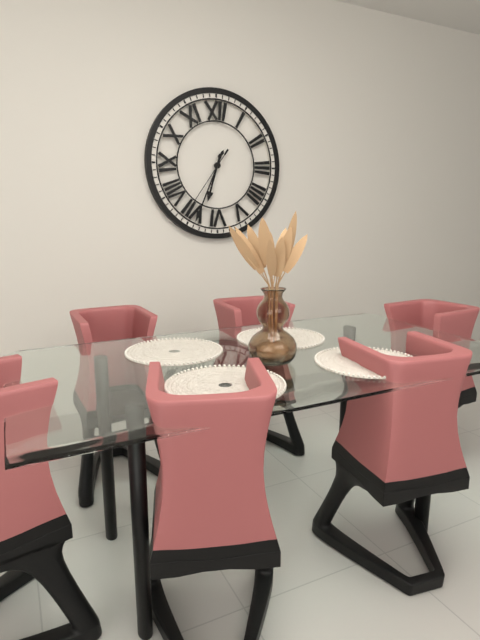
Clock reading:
{"hour": 6, "minute": 34, "second": 36}
